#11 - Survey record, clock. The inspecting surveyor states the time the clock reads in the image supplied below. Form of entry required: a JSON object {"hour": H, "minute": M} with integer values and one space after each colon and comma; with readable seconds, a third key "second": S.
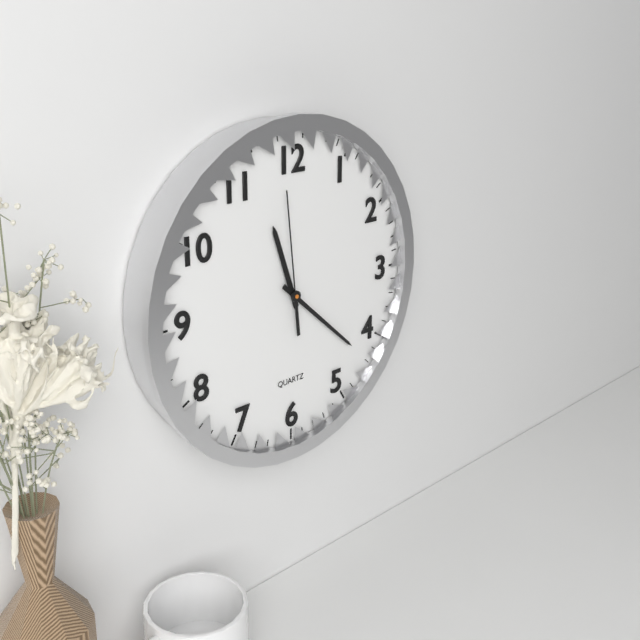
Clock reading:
{"hour": 11, "minute": 22, "second": 59}
